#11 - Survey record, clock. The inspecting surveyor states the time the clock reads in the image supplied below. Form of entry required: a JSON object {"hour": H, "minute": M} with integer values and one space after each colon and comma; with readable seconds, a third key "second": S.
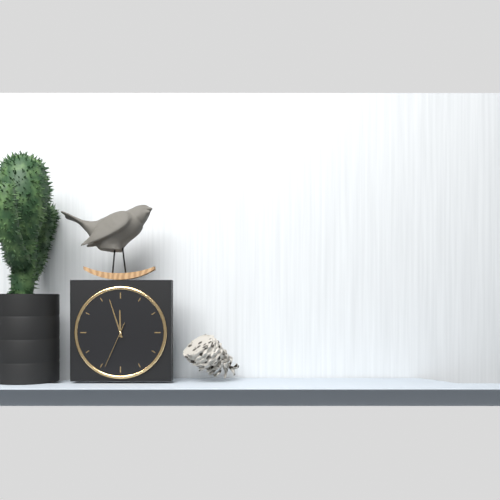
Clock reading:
{"hour": 11, "minute": 57}
